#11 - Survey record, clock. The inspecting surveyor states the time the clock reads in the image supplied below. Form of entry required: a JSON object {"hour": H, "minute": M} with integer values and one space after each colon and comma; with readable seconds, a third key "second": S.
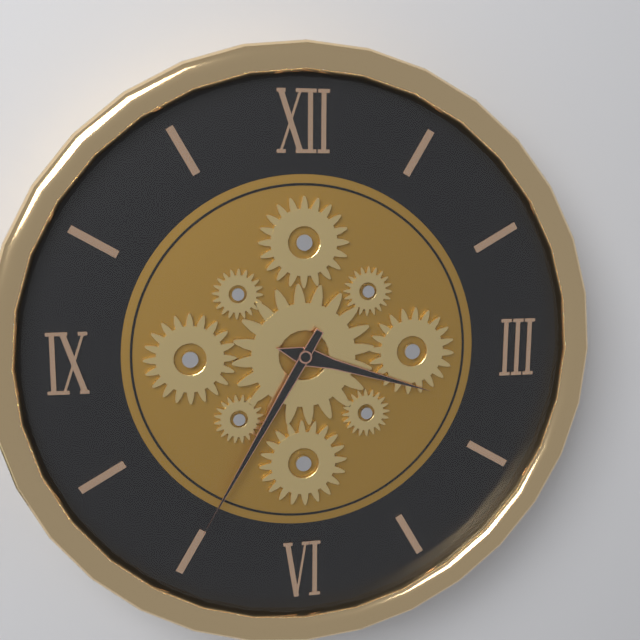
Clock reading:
{"hour": 3, "minute": 35}
